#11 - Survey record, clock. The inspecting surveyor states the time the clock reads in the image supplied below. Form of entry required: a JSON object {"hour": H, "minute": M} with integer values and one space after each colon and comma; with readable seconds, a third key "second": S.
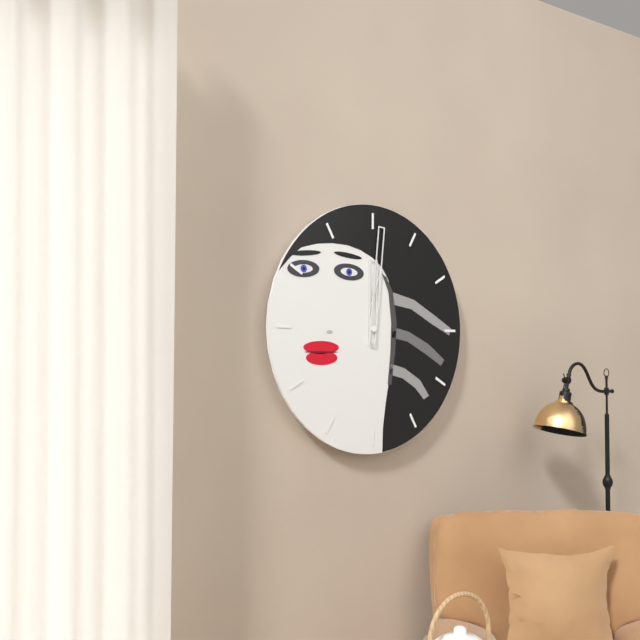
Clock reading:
{"hour": 12, "minute": 1}
